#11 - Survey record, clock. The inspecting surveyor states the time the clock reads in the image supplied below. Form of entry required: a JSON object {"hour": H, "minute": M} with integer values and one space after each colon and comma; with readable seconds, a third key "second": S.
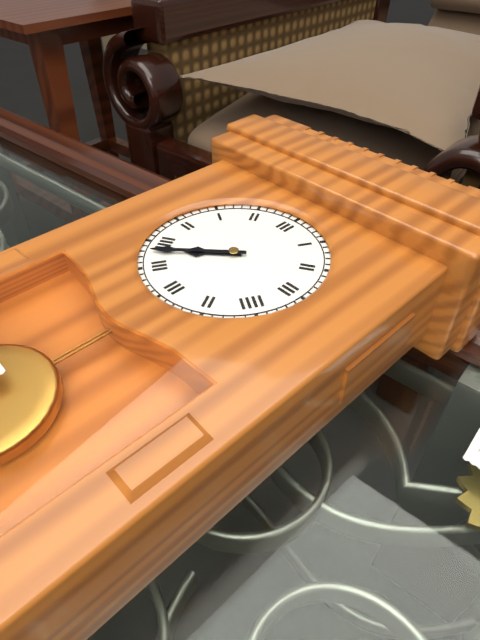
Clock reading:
{"hour": 7, "minute": 38}
